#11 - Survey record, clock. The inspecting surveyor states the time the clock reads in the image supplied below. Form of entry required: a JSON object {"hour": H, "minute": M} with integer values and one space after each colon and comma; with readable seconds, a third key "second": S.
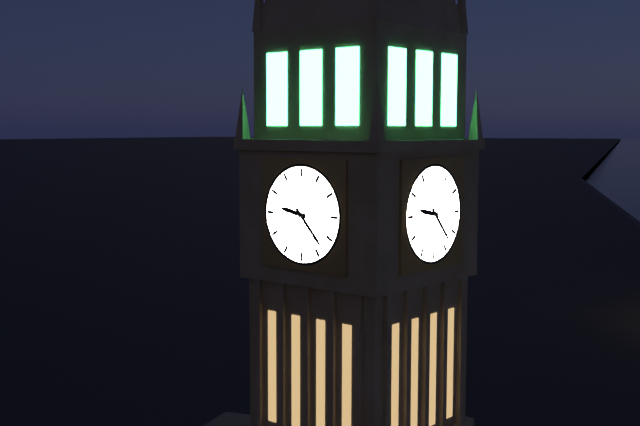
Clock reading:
{"hour": 9, "minute": 23}
